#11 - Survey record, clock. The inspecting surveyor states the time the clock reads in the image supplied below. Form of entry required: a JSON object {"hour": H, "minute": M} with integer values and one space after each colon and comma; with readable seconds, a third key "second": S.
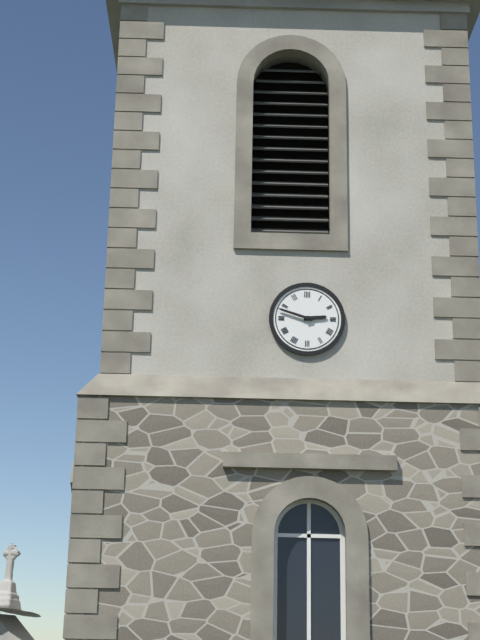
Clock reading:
{"hour": 2, "minute": 48}
